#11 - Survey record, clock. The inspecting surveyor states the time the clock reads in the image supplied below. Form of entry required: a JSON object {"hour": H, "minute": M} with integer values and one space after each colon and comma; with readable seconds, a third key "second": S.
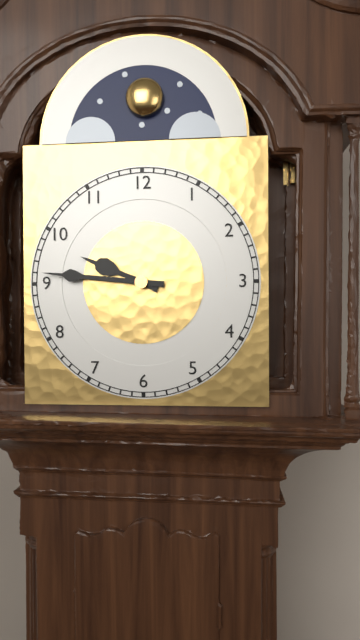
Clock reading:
{"hour": 9, "minute": 46}
